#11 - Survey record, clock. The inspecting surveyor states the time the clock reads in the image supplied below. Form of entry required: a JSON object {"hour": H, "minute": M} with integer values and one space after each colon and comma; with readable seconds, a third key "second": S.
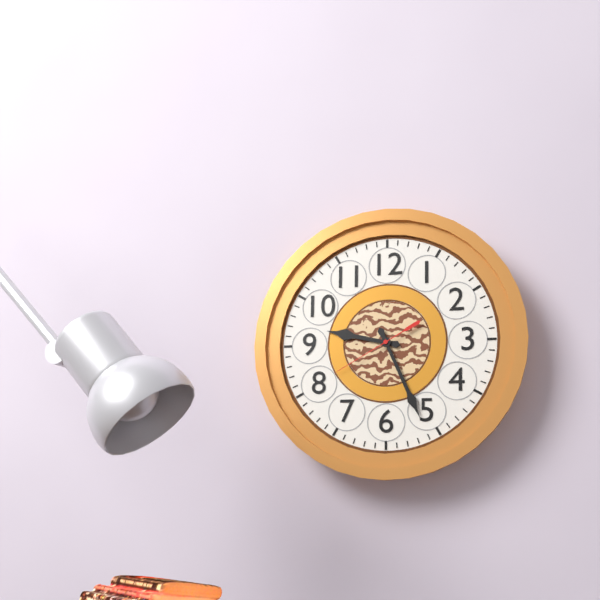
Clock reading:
{"hour": 9, "minute": 26, "second": 40}
